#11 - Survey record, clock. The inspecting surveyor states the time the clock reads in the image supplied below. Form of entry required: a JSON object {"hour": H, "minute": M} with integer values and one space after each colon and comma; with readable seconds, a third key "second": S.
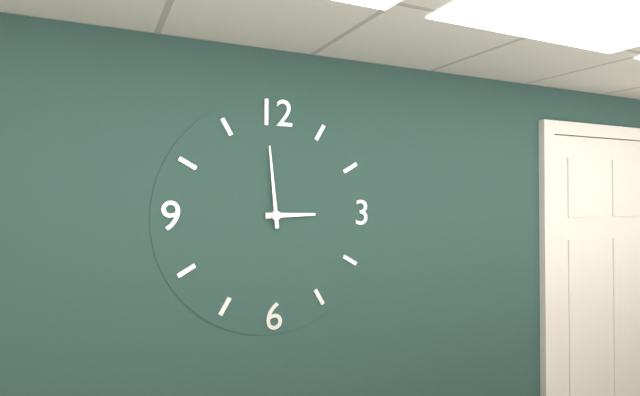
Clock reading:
{"hour": 2, "minute": 59}
